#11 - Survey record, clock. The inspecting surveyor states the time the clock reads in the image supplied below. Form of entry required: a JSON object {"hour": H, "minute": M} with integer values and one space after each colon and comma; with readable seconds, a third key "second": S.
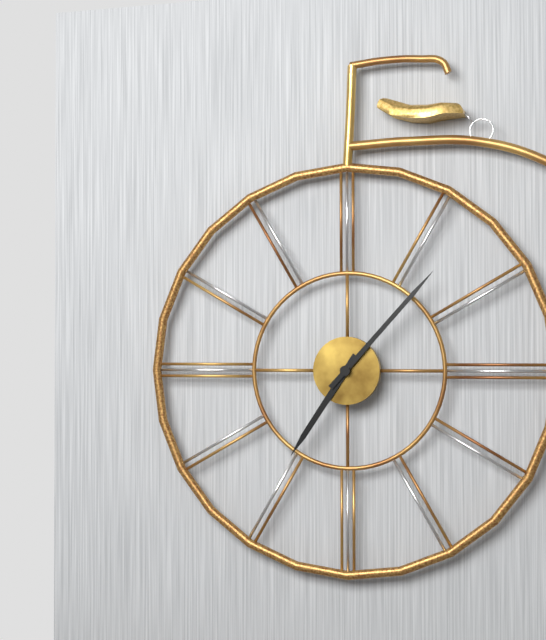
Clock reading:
{"hour": 7, "minute": 7}
